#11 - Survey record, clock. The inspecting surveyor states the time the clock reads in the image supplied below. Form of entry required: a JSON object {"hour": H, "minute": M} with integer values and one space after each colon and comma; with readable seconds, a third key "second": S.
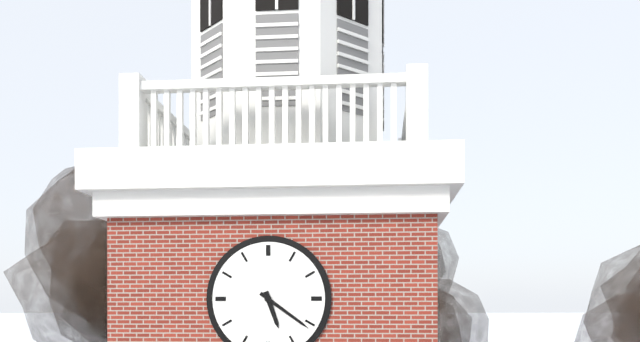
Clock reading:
{"hour": 5, "minute": 21}
